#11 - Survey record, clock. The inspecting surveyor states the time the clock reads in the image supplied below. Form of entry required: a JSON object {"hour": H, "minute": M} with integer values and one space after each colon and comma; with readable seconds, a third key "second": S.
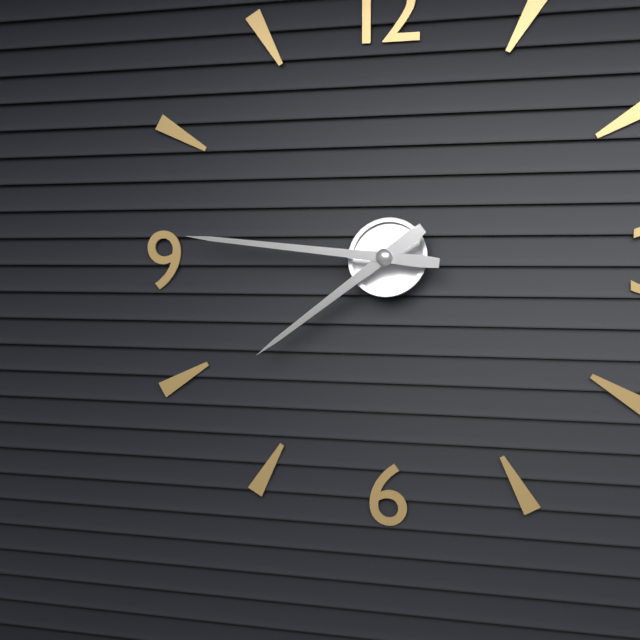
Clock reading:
{"hour": 7, "minute": 46}
